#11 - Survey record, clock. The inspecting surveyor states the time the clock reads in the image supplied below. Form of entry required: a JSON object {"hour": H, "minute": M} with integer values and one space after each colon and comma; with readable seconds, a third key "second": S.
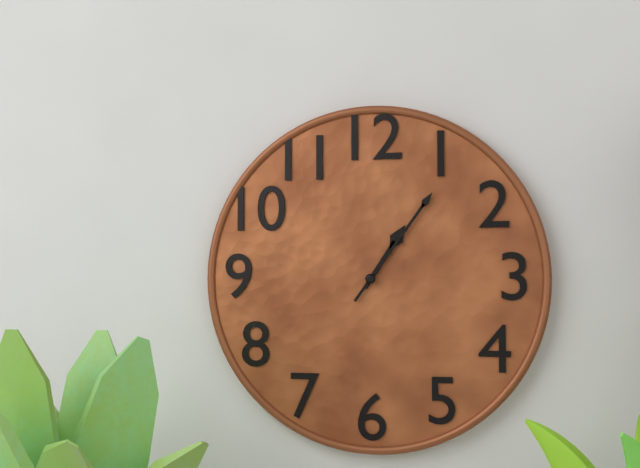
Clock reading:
{"hour": 1, "minute": 6}
